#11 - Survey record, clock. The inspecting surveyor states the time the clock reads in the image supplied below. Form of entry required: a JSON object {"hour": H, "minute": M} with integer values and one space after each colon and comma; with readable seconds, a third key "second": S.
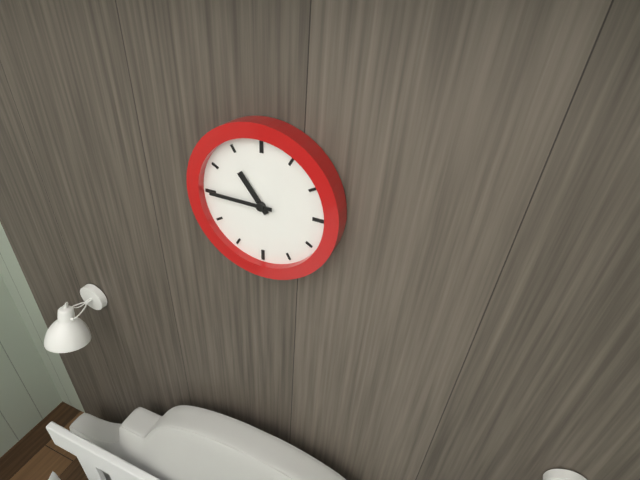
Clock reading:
{"hour": 10, "minute": 45}
